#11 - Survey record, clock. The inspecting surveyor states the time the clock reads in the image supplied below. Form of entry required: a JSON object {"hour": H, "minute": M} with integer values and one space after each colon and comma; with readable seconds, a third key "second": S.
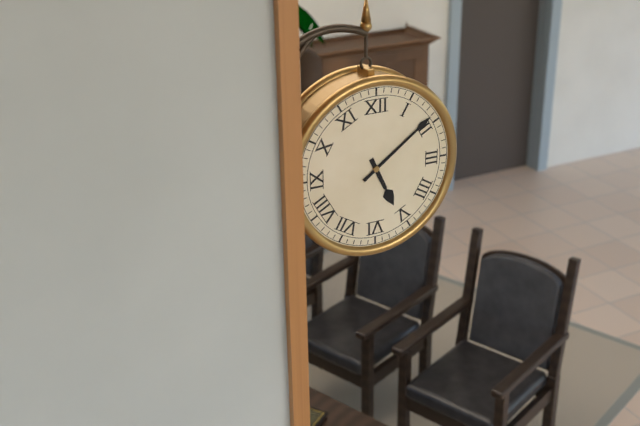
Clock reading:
{"hour": 5, "minute": 9}
